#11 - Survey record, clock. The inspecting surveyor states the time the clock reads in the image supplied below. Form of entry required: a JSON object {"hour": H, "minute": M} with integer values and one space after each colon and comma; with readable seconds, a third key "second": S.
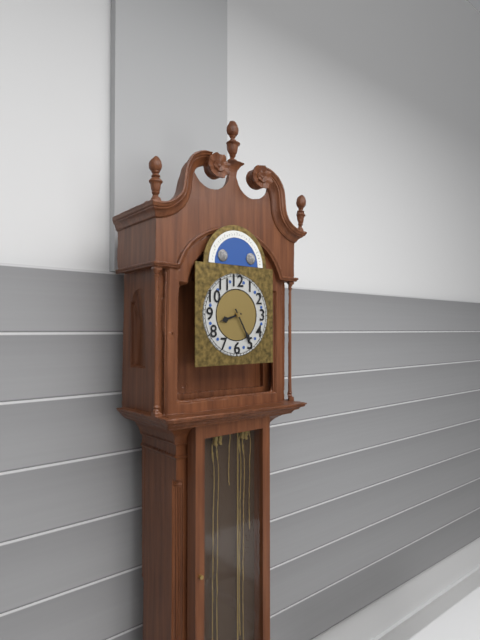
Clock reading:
{"hour": 8, "minute": 25}
